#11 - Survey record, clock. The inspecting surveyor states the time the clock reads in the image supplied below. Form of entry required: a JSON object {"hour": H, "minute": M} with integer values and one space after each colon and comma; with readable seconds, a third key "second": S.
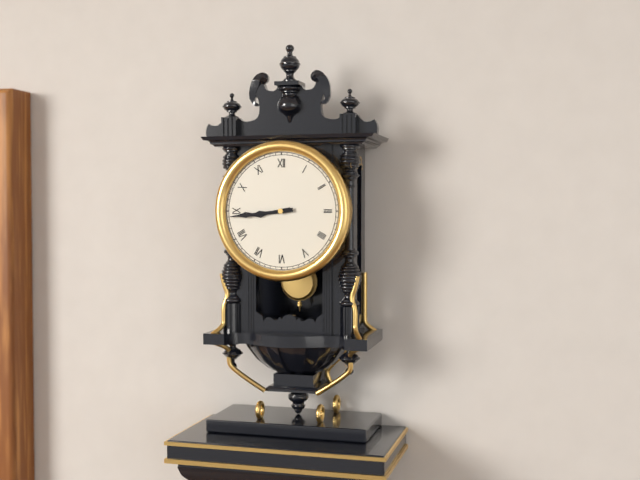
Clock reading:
{"hour": 8, "minute": 44}
